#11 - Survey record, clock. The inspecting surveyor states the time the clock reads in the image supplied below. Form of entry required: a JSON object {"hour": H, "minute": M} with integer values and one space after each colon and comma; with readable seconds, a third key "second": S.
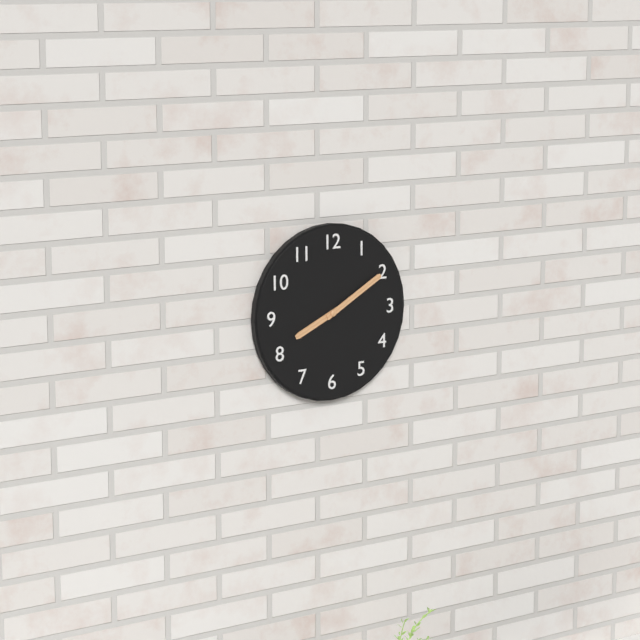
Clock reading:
{"hour": 8, "minute": 10}
